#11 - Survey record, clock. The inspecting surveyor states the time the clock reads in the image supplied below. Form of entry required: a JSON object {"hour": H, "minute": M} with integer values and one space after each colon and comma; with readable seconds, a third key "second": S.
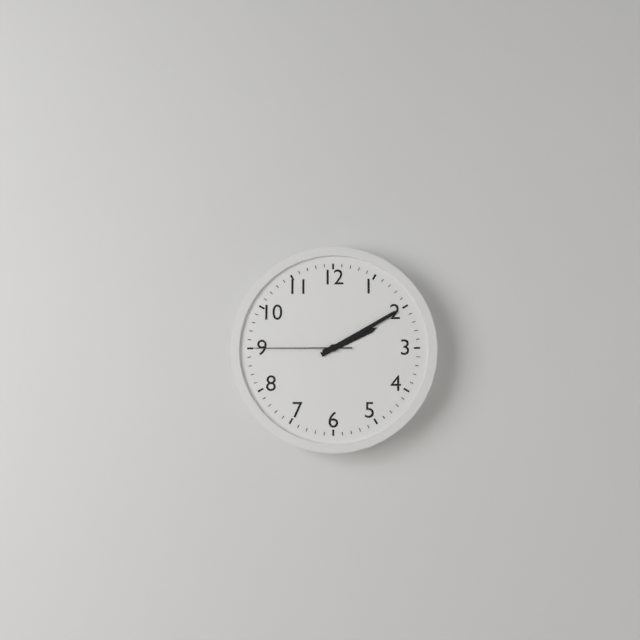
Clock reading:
{"hour": 2, "minute": 10, "second": 45}
